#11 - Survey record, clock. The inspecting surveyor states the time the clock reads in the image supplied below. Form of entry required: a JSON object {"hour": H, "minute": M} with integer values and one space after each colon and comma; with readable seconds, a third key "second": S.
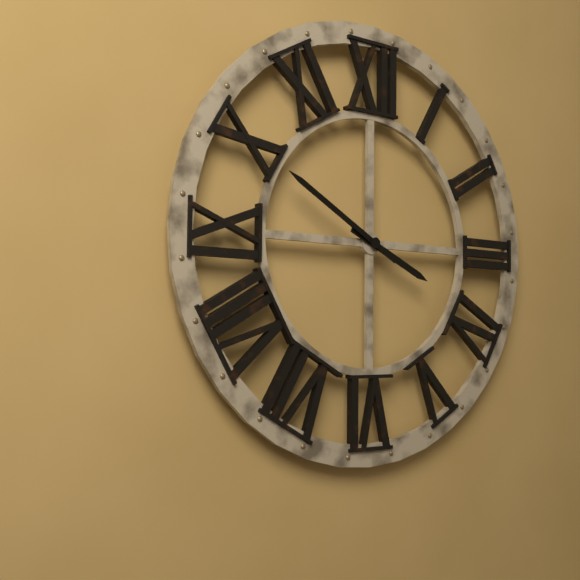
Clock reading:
{"hour": 3, "minute": 50}
